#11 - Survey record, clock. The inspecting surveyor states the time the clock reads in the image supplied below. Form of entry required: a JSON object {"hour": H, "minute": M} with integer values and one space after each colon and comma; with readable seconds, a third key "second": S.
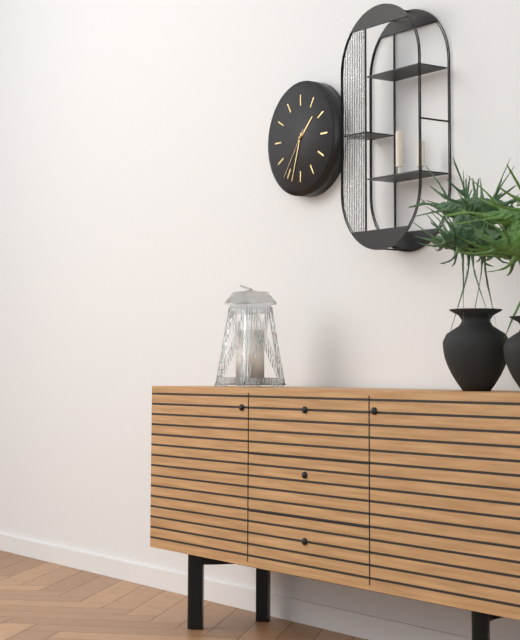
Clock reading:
{"hour": 1, "minute": 33, "second": 36}
